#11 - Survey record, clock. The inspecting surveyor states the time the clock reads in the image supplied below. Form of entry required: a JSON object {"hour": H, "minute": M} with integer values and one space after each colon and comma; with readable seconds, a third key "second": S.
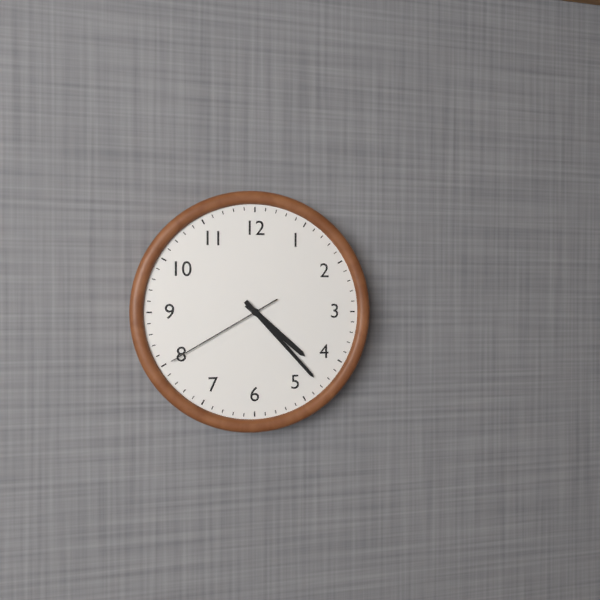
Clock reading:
{"hour": 4, "minute": 23, "second": 40}
